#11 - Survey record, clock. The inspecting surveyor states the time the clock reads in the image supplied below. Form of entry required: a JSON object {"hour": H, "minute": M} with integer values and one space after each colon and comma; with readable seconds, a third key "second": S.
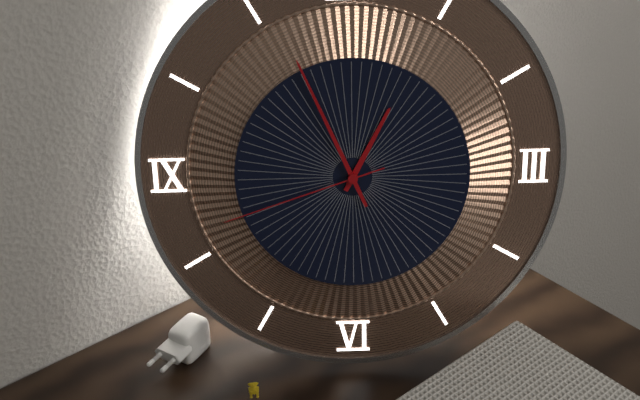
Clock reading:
{"hour": 12, "minute": 56, "second": 42}
